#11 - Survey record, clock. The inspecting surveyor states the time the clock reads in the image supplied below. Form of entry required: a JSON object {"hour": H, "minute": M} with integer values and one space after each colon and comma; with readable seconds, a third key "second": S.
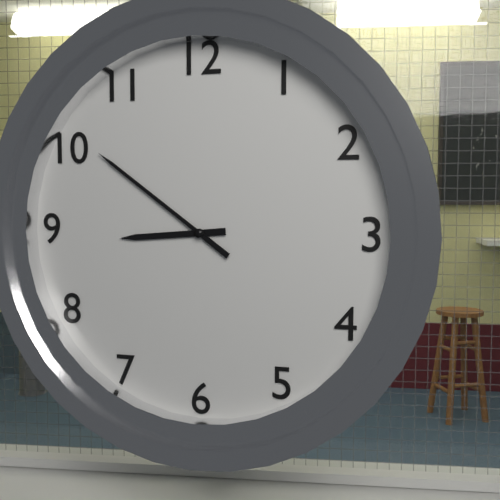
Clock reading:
{"hour": 8, "minute": 51}
